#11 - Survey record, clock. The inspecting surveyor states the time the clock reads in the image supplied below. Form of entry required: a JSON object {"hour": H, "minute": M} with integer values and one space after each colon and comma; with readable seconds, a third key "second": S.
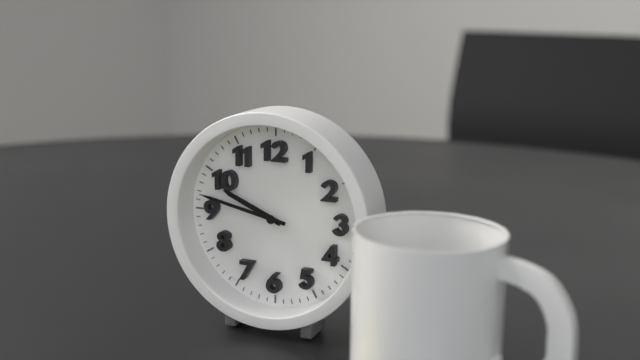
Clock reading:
{"hour": 9, "minute": 47}
